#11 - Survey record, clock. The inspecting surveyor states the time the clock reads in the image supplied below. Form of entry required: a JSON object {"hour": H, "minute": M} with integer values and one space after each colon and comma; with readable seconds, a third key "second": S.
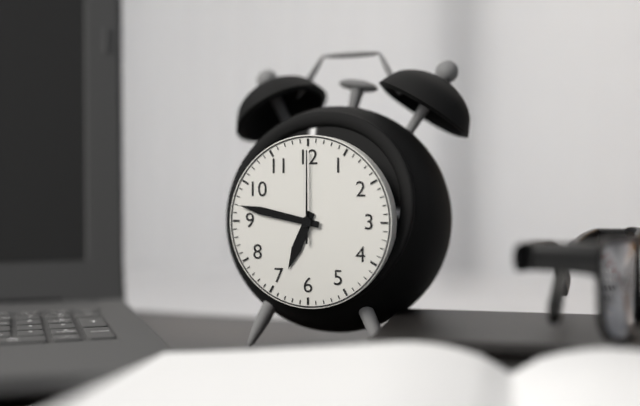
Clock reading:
{"hour": 6, "minute": 47, "second": 0}
